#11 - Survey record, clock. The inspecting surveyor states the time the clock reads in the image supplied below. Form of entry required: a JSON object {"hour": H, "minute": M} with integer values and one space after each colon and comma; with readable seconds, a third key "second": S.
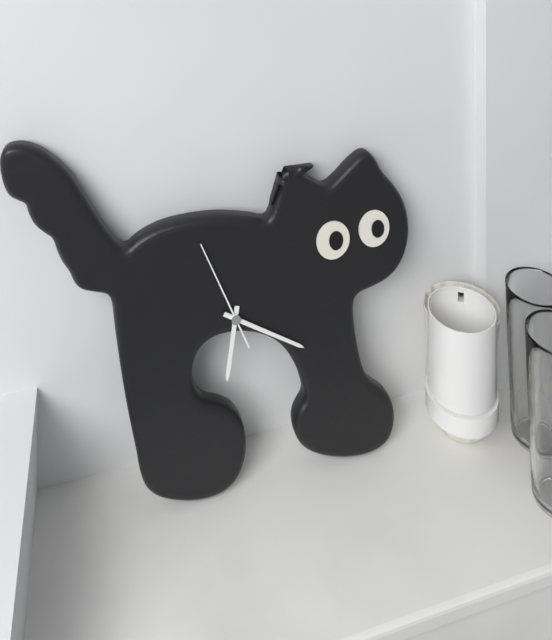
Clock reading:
{"hour": 6, "minute": 20, "second": 56}
